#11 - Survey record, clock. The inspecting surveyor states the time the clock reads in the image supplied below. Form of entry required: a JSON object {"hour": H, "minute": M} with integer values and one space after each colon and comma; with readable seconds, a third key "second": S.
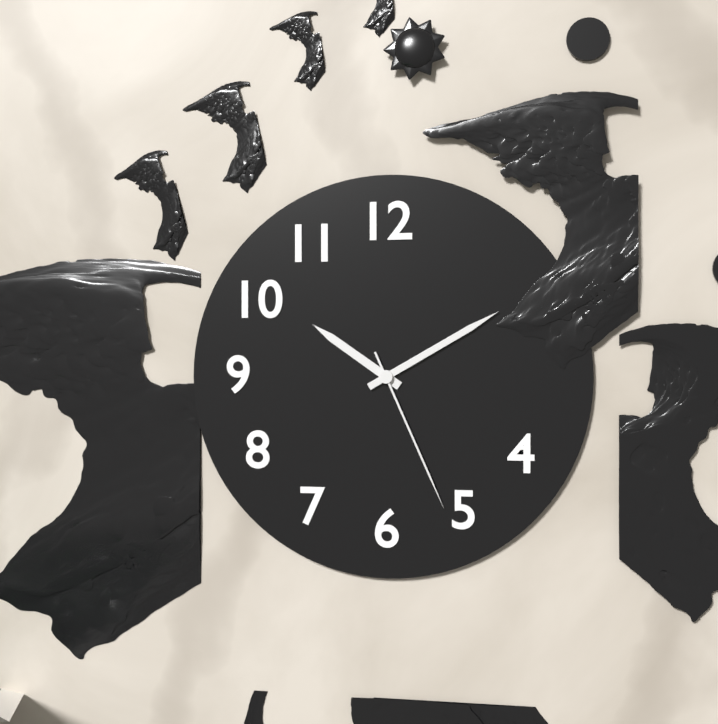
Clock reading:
{"hour": 10, "minute": 10, "second": 26}
